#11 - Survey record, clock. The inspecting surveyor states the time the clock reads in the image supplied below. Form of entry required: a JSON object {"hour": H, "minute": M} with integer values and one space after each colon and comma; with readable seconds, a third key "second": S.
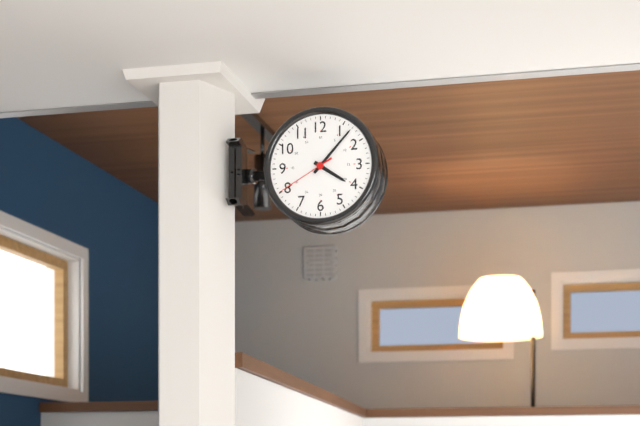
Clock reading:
{"hour": 4, "minute": 7, "second": 40}
